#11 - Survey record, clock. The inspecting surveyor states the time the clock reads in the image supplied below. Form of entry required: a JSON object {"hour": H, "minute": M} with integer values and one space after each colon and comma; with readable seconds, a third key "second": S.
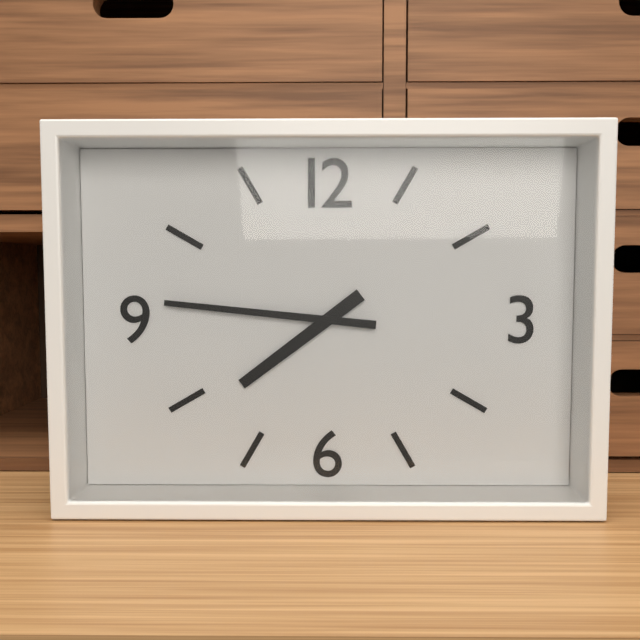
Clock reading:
{"hour": 7, "minute": 46}
